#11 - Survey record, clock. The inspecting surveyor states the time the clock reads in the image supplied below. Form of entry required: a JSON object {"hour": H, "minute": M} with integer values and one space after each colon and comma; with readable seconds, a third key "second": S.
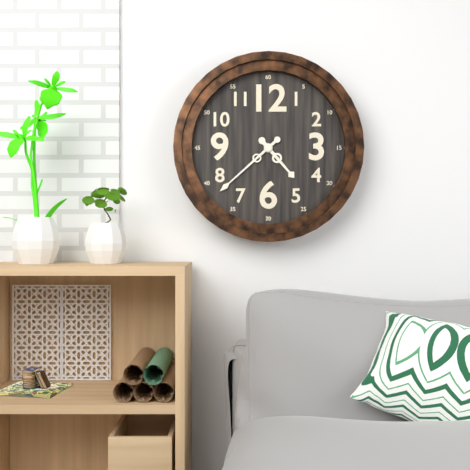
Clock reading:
{"hour": 4, "minute": 38}
